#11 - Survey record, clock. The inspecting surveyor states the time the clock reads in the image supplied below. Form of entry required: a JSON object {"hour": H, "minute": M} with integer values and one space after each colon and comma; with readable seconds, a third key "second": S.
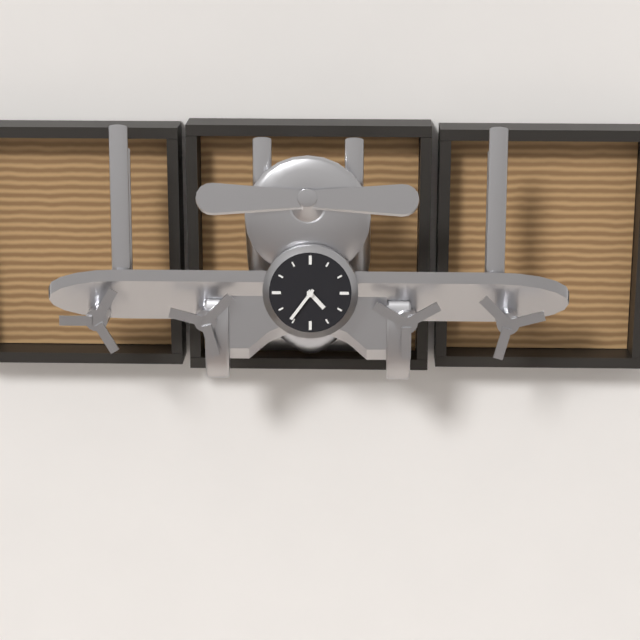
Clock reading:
{"hour": 4, "minute": 36}
